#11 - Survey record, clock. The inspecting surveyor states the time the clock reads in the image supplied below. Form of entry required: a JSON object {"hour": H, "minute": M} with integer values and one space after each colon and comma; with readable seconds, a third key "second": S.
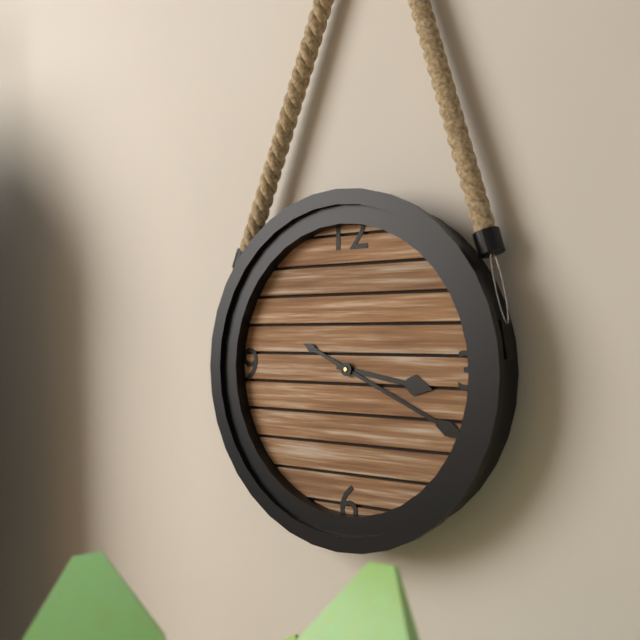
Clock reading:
{"hour": 3, "minute": 19}
